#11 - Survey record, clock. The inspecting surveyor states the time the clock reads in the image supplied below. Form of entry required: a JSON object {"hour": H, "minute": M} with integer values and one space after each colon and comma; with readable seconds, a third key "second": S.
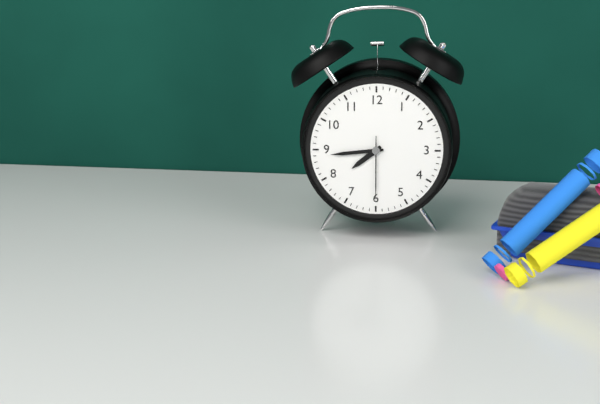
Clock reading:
{"hour": 7, "minute": 44, "second": 30}
